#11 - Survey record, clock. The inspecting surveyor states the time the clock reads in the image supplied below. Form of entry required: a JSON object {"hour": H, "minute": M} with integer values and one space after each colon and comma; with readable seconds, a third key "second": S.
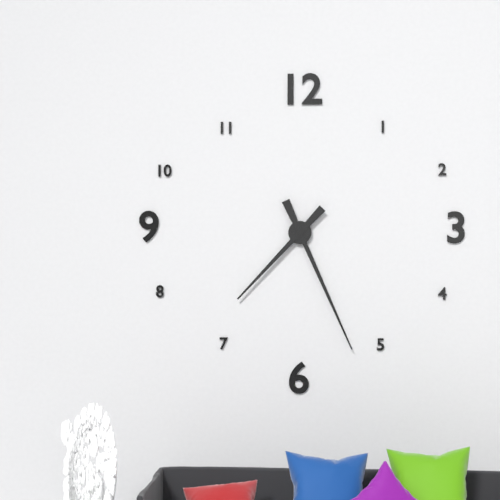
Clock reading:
{"hour": 7, "minute": 26}
